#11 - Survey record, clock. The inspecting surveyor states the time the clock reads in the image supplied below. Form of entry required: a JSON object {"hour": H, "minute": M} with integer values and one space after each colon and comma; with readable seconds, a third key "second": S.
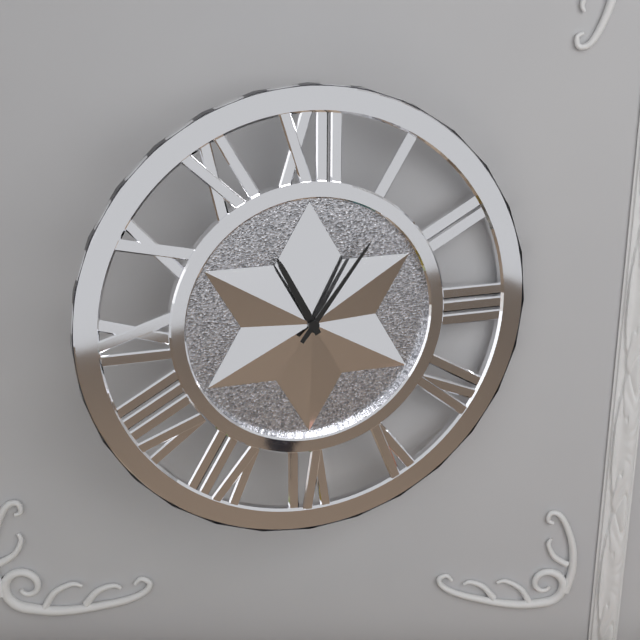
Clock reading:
{"hour": 11, "minute": 6}
